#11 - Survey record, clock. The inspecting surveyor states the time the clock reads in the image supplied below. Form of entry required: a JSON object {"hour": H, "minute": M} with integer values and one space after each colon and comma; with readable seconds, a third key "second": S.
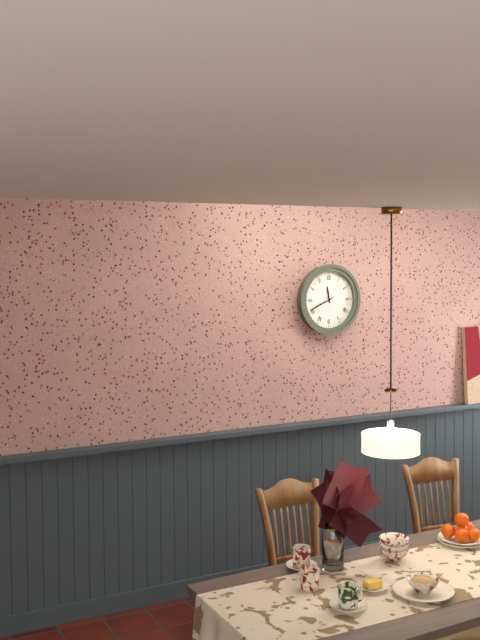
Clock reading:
{"hour": 11, "minute": 41}
